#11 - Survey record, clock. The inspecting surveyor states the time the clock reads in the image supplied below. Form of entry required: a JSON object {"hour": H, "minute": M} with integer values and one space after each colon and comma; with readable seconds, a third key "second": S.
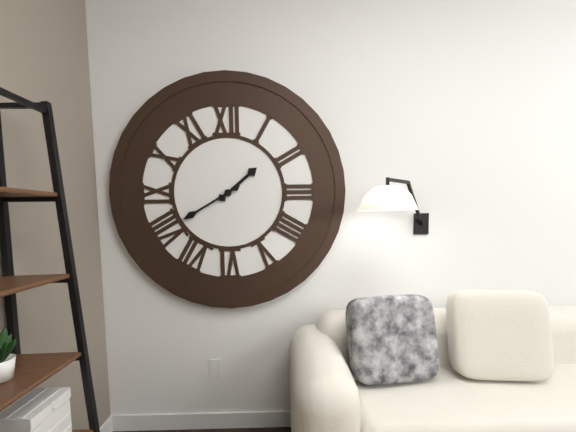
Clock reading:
{"hour": 1, "minute": 40}
